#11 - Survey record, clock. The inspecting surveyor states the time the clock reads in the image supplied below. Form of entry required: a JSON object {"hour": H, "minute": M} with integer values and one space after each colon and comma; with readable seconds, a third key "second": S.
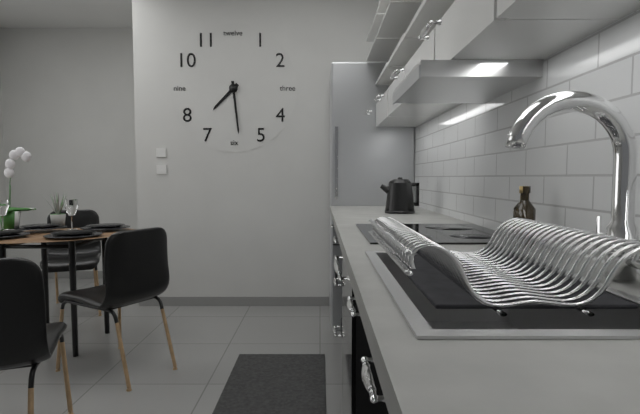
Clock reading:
{"hour": 7, "minute": 29}
